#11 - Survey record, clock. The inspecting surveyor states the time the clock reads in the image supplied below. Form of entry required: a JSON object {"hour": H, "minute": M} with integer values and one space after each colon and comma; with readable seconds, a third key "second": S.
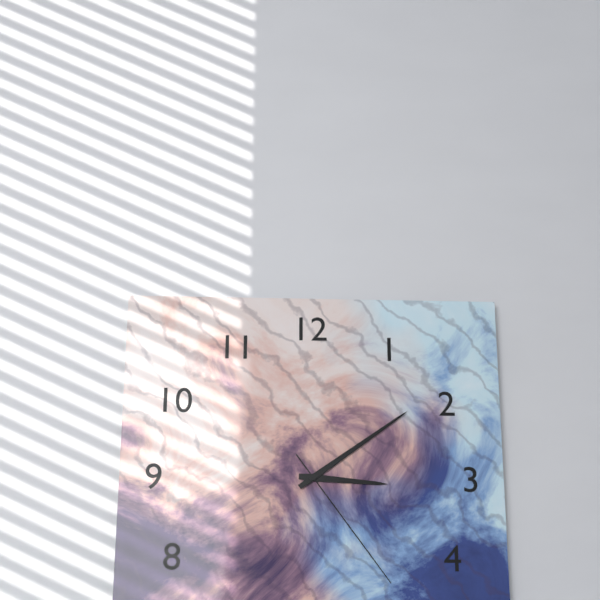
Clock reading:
{"hour": 3, "minute": 9, "second": 24}
